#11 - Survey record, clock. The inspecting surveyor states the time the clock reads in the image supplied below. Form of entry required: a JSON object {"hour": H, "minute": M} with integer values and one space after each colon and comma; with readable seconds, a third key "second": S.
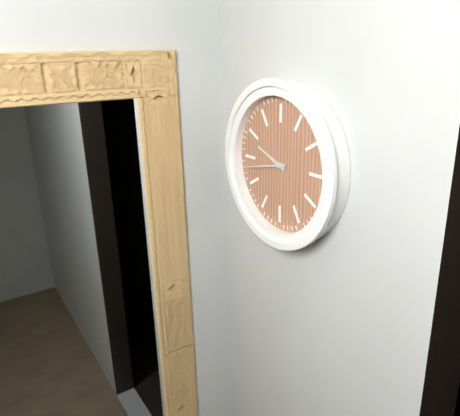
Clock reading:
{"hour": 9, "minute": 43}
